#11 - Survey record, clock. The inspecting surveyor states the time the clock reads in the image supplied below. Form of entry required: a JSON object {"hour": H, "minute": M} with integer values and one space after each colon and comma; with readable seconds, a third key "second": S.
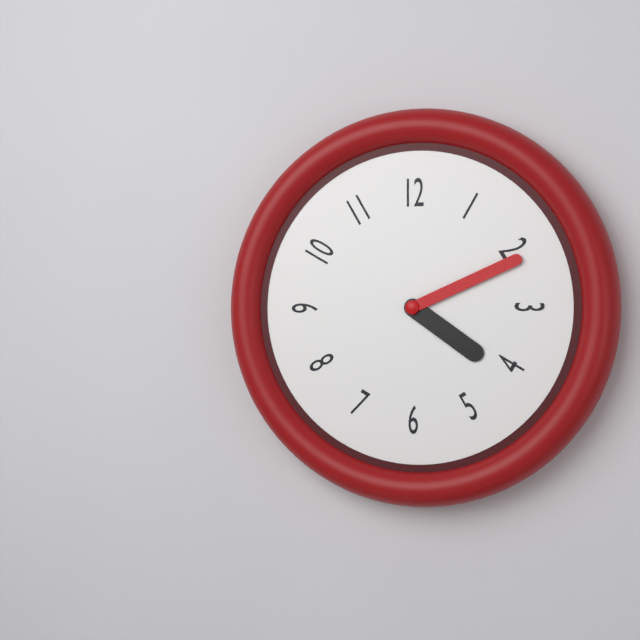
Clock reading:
{"hour": 4, "minute": 11}
